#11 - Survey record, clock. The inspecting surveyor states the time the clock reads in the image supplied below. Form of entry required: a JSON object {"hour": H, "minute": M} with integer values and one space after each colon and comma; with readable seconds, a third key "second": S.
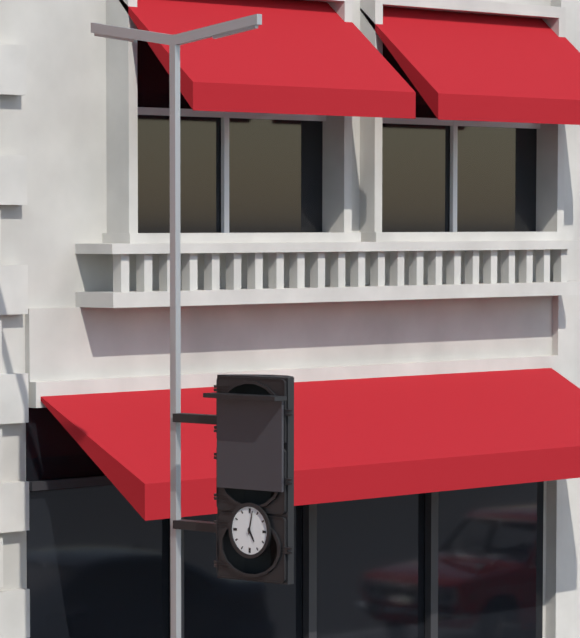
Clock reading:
{"hour": 5, "minute": 2}
